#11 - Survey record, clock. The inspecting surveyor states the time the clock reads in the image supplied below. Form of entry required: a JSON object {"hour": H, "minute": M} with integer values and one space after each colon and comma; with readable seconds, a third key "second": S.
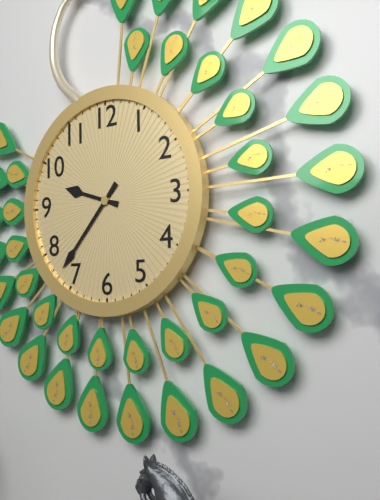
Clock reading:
{"hour": 9, "minute": 37}
